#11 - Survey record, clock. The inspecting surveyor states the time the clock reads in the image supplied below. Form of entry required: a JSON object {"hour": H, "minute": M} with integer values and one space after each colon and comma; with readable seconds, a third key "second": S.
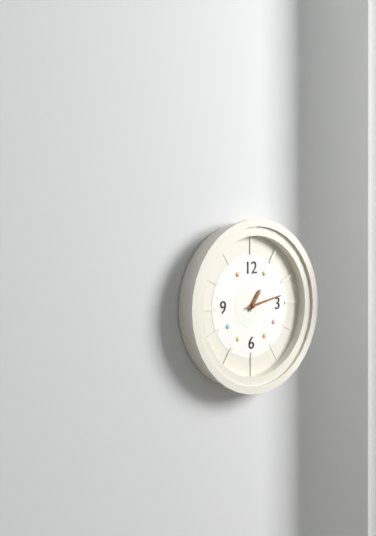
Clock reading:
{"hour": 1, "minute": 13}
